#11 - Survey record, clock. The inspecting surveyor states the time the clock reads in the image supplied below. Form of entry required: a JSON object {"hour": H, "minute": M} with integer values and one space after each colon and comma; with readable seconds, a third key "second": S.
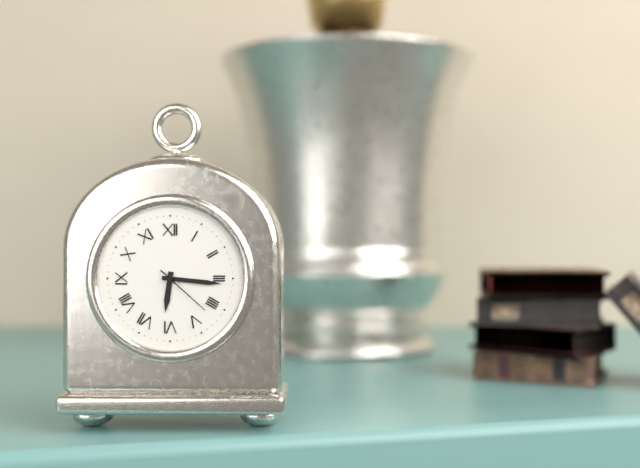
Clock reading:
{"hour": 6, "minute": 16, "second": 22}
